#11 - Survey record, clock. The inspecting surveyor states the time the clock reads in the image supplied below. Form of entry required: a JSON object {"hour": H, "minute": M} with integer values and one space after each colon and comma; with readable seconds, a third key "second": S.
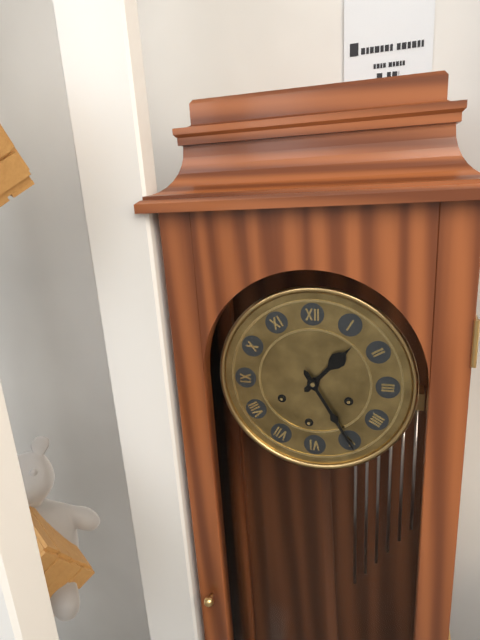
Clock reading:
{"hour": 1, "minute": 25}
